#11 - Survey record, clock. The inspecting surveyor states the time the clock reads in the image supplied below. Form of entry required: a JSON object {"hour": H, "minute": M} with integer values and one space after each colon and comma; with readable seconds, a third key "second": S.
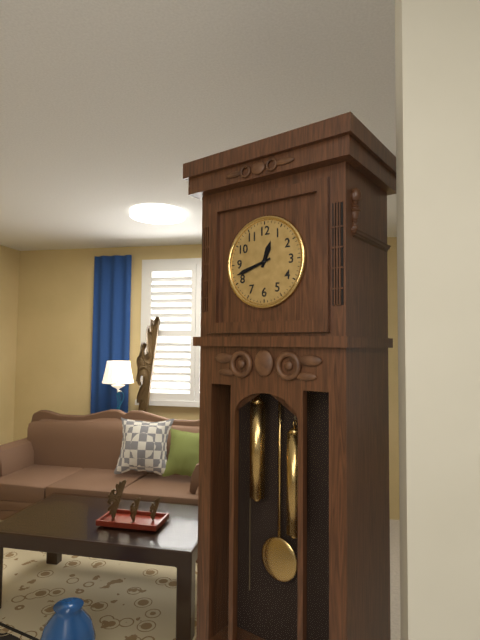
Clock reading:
{"hour": 12, "minute": 42}
